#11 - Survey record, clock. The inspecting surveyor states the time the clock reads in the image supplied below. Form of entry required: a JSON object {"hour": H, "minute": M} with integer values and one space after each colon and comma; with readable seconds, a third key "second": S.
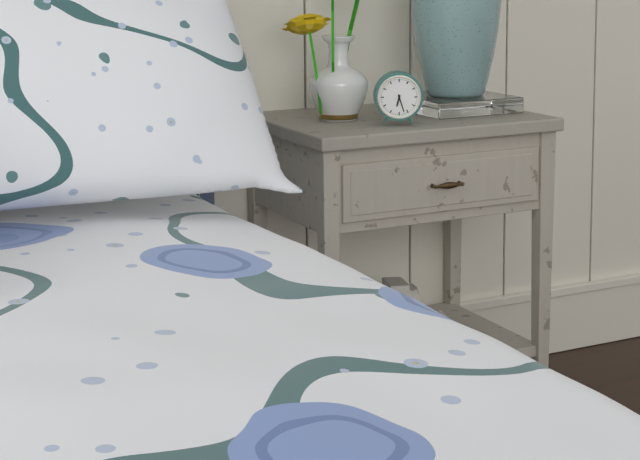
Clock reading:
{"hour": 6, "minute": 27}
